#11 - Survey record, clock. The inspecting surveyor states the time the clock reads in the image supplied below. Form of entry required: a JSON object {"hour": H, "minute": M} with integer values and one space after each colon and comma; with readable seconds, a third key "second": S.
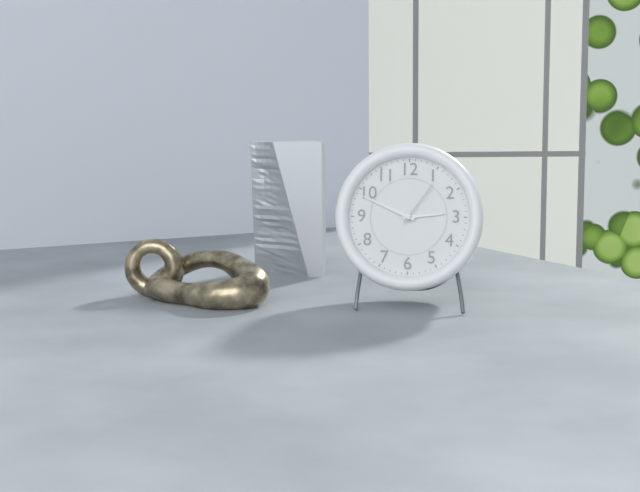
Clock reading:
{"hour": 2, "minute": 49, "second": 6}
